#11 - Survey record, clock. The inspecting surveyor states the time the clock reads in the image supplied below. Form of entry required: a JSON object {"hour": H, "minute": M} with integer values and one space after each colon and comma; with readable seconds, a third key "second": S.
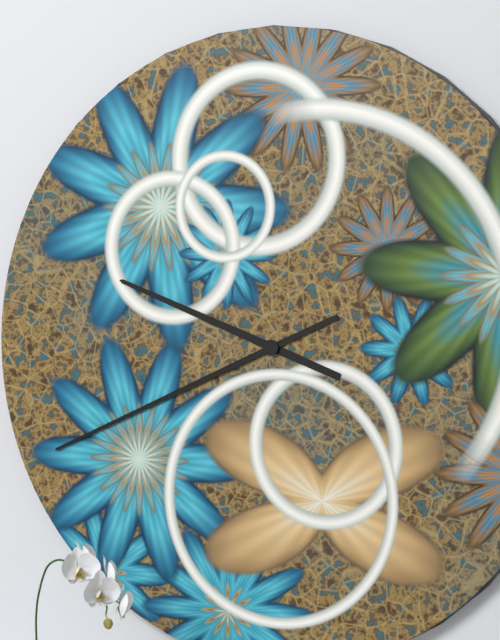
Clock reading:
{"hour": 9, "minute": 41}
